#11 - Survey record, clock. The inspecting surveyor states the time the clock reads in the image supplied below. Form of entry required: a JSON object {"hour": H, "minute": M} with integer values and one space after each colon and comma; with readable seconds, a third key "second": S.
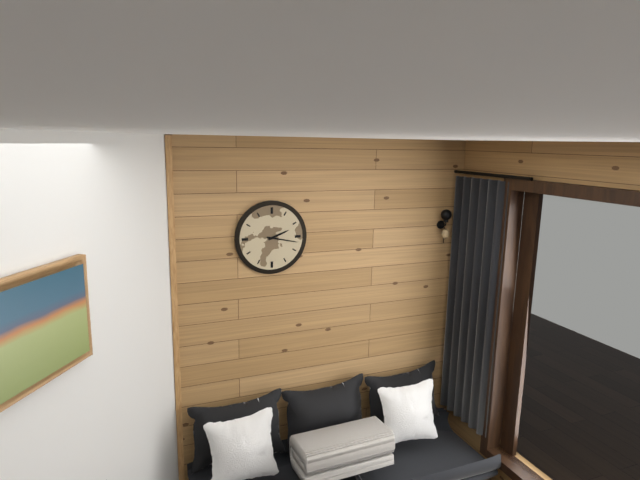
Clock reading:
{"hour": 2, "minute": 17}
